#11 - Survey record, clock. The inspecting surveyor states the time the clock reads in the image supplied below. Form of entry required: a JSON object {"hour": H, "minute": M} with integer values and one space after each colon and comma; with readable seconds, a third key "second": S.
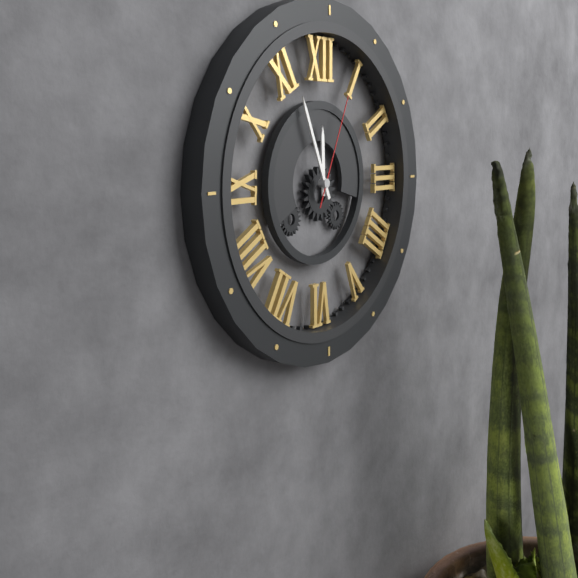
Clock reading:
{"hour": 11, "minute": 56, "second": 4}
